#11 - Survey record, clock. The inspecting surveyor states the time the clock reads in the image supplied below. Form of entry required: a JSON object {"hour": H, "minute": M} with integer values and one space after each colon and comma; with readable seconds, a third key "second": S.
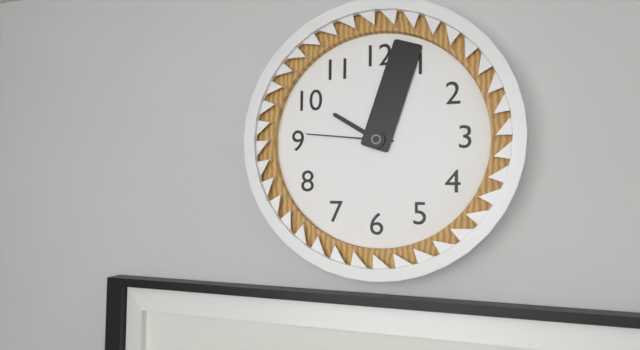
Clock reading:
{"hour": 10, "minute": 3, "second": 46}
